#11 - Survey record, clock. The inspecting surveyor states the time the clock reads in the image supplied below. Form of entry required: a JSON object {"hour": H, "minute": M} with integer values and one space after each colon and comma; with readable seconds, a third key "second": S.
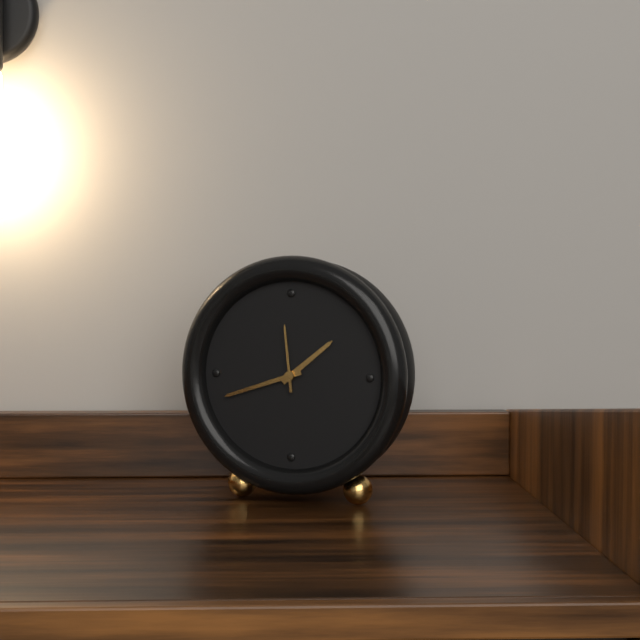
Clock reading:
{"hour": 1, "minute": 42, "second": 59}
